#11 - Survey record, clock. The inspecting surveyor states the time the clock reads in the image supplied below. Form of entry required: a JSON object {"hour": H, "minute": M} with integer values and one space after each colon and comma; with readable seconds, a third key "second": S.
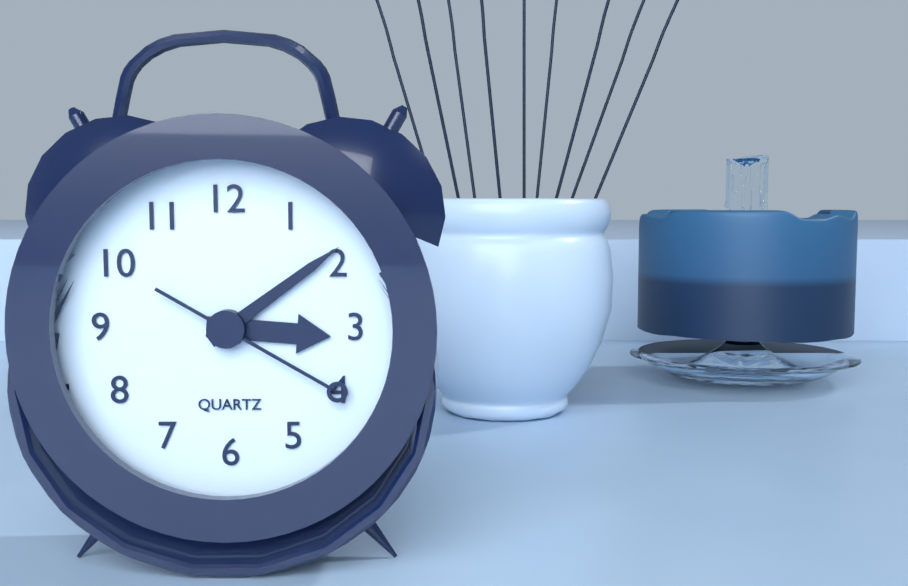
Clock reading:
{"hour": 3, "minute": 9, "second": 20}
